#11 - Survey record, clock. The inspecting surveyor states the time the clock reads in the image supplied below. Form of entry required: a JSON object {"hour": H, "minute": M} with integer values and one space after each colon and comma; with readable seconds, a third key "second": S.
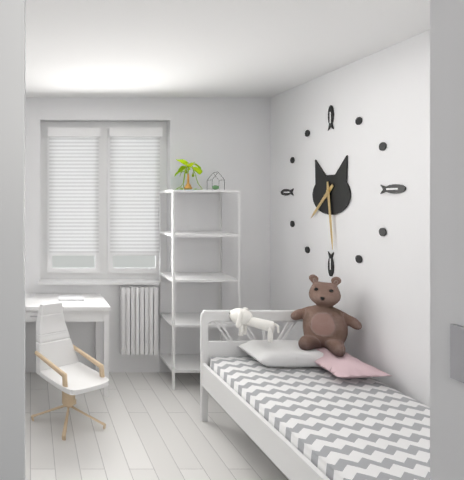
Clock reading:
{"hour": 7, "minute": 29}
